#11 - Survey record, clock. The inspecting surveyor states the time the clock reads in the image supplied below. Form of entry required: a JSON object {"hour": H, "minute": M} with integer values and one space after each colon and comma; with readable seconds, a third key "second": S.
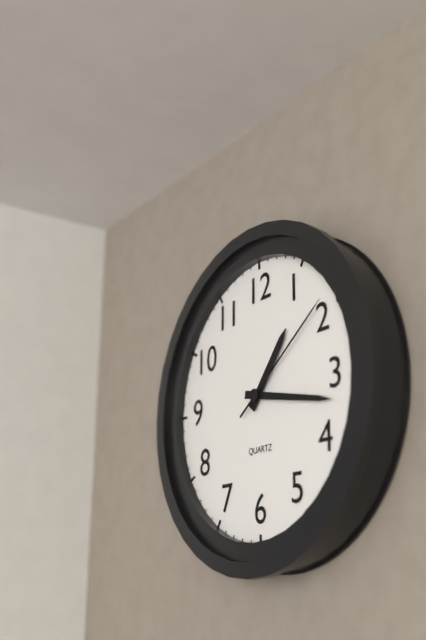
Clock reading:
{"hour": 1, "minute": 17, "second": 9}
